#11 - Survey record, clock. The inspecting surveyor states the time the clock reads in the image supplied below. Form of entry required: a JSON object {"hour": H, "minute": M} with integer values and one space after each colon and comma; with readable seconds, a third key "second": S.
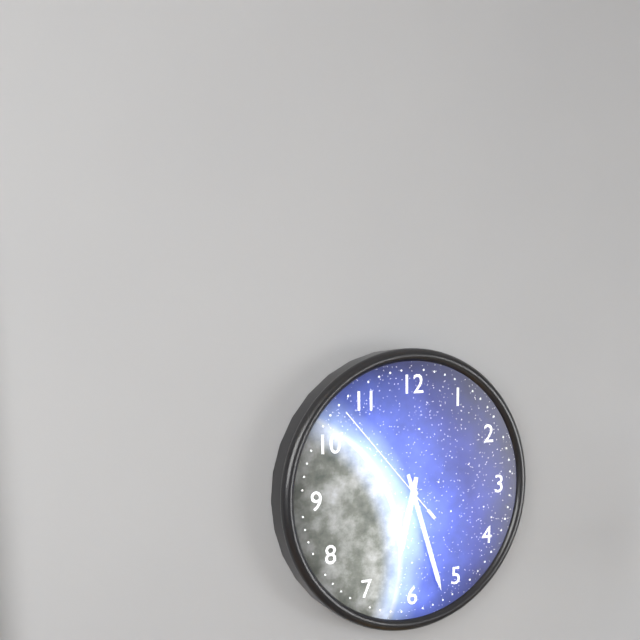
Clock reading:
{"hour": 6, "minute": 27, "second": 53}
